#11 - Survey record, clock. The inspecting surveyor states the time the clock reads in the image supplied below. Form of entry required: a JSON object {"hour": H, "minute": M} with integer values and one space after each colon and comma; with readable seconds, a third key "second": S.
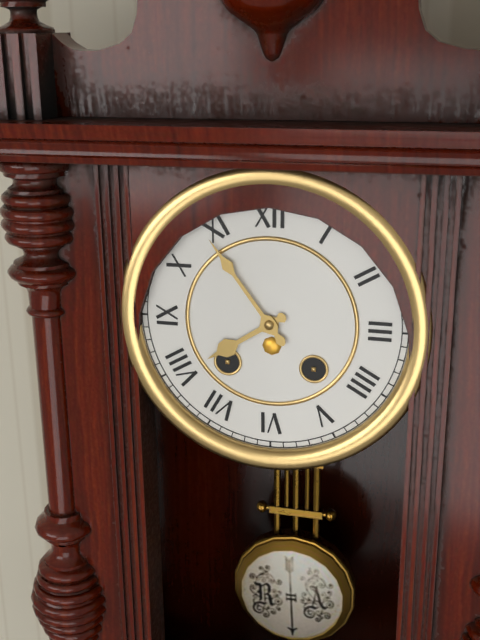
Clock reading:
{"hour": 7, "minute": 54}
